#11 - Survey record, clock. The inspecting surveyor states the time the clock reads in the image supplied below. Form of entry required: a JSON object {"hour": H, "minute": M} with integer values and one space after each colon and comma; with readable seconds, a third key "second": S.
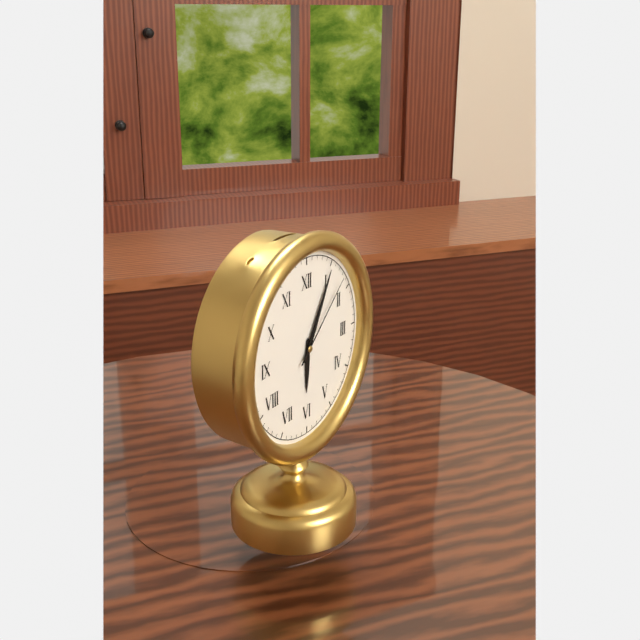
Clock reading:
{"hour": 6, "minute": 5, "second": 8}
